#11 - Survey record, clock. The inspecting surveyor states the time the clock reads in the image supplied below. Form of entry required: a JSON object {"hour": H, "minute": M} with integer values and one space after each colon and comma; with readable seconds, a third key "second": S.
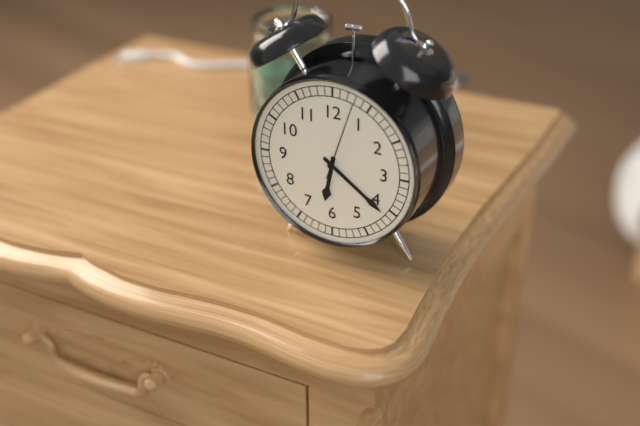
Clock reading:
{"hour": 6, "minute": 21, "second": 3}
